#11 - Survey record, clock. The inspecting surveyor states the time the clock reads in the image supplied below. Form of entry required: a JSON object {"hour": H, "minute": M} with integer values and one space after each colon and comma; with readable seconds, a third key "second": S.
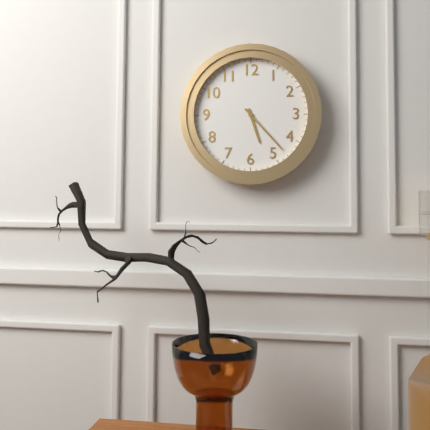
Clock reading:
{"hour": 5, "minute": 23}
